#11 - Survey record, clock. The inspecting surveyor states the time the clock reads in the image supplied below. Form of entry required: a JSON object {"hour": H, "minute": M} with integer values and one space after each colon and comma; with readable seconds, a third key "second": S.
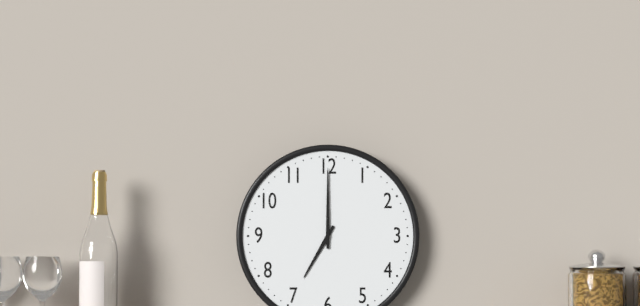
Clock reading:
{"hour": 7, "minute": 0}
